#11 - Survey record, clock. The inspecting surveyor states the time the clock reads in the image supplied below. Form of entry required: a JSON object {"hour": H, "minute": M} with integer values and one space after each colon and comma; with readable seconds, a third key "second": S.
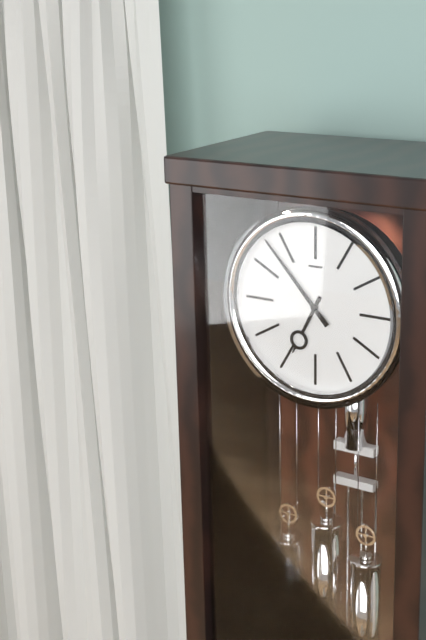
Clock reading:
{"hour": 6, "minute": 53}
